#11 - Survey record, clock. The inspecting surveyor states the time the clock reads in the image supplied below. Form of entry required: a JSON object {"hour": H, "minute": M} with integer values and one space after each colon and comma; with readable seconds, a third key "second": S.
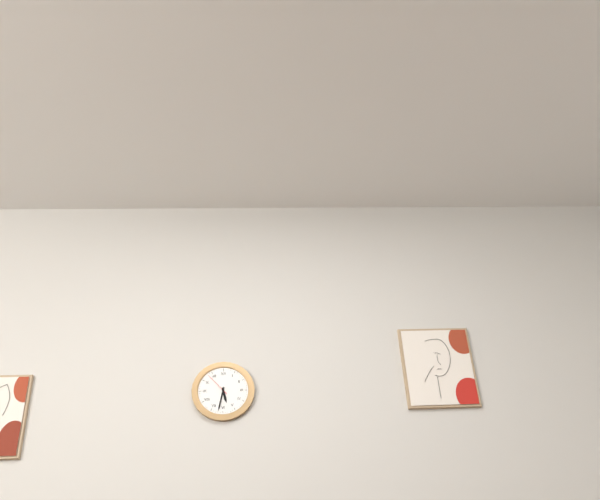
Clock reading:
{"hour": 5, "minute": 32}
